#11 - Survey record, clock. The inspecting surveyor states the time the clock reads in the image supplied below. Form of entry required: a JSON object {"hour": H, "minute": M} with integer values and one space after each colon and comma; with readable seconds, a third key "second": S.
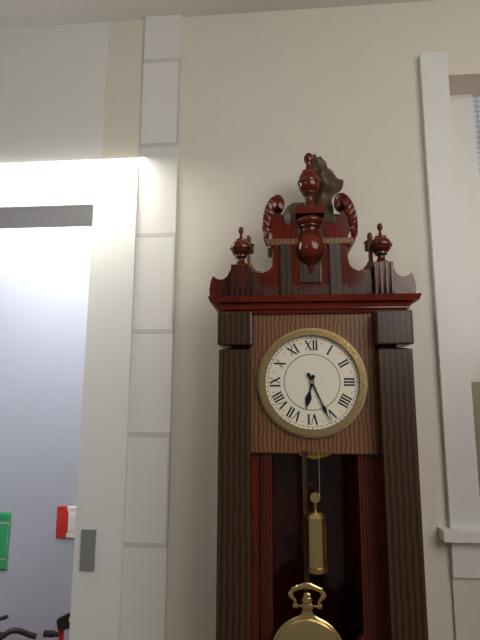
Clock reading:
{"hour": 6, "minute": 26}
